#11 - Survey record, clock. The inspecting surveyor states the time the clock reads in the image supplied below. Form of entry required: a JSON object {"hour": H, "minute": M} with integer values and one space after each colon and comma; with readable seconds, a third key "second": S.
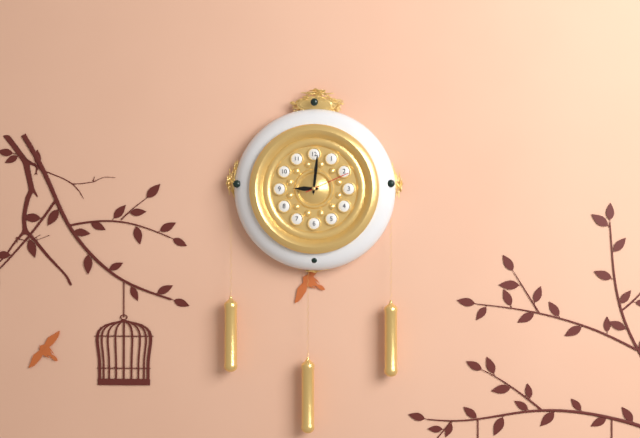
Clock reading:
{"hour": 9, "minute": 1}
